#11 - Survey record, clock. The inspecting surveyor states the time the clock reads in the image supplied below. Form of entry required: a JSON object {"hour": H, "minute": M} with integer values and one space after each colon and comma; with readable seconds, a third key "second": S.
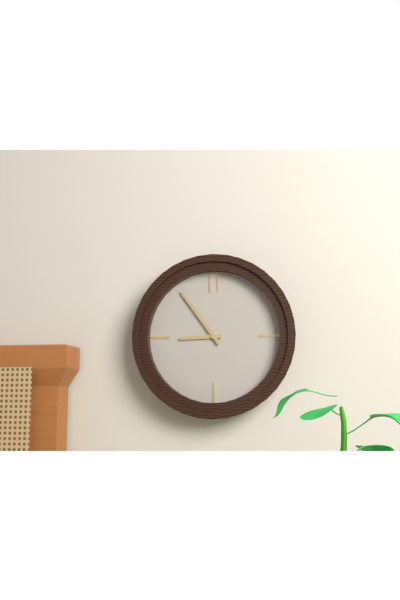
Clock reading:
{"hour": 8, "minute": 54}
